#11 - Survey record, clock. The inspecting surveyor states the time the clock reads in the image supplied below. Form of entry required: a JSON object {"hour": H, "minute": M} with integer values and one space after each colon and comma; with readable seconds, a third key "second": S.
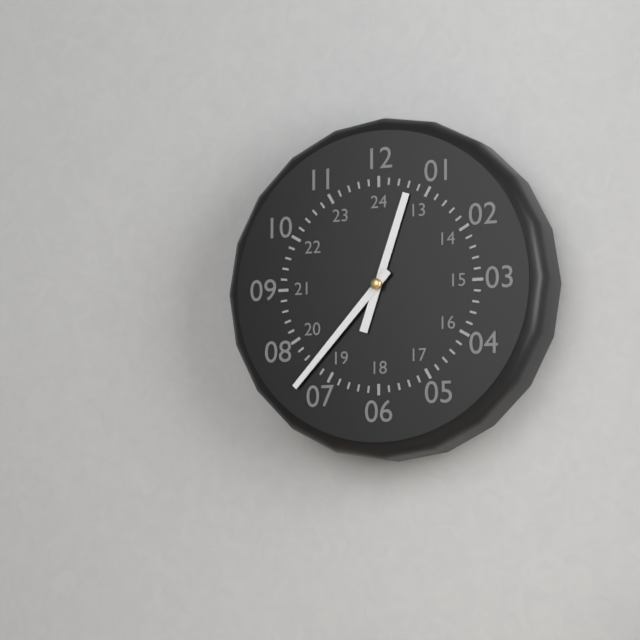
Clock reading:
{"hour": 12, "minute": 37}
